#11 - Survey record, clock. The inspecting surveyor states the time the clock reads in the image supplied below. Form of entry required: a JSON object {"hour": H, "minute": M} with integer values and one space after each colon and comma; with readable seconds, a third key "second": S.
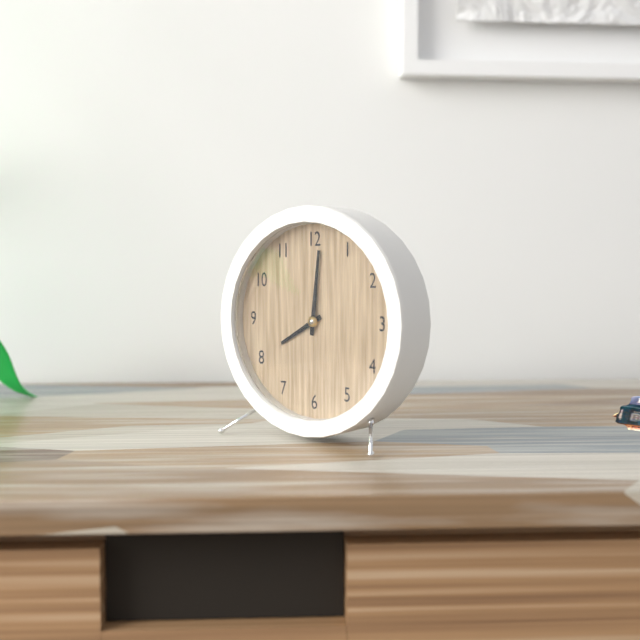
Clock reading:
{"hour": 8, "minute": 1}
